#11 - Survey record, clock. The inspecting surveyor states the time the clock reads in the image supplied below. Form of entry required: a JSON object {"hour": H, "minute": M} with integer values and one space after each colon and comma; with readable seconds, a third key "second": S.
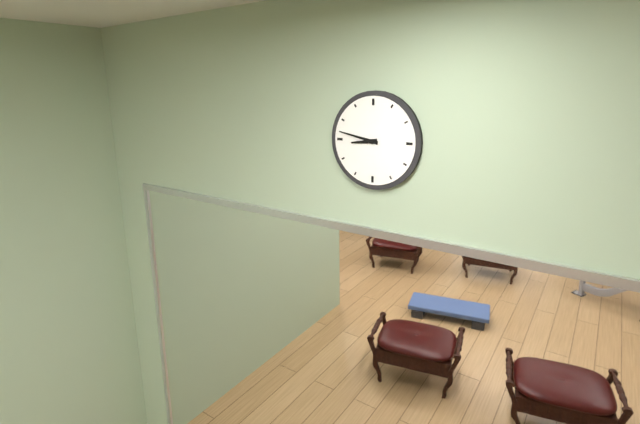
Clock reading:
{"hour": 8, "minute": 47}
